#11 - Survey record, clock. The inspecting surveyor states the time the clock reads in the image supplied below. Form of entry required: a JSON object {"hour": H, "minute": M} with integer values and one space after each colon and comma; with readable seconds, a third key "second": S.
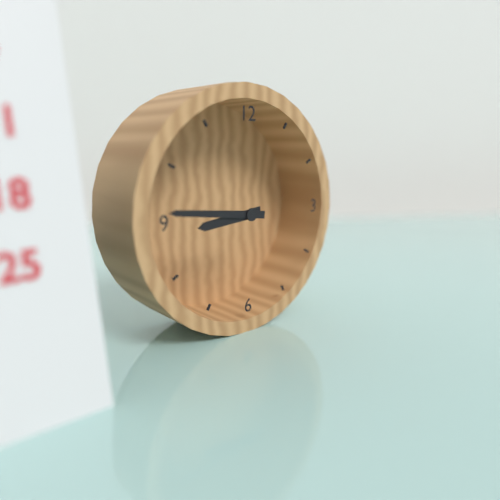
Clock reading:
{"hour": 8, "minute": 46}
